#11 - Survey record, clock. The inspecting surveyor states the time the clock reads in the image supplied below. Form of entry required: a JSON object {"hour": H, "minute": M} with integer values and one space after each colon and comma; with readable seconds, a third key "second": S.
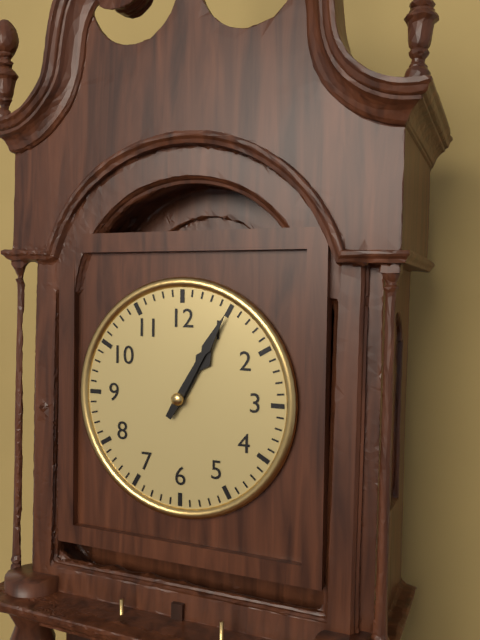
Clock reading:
{"hour": 1, "minute": 5}
